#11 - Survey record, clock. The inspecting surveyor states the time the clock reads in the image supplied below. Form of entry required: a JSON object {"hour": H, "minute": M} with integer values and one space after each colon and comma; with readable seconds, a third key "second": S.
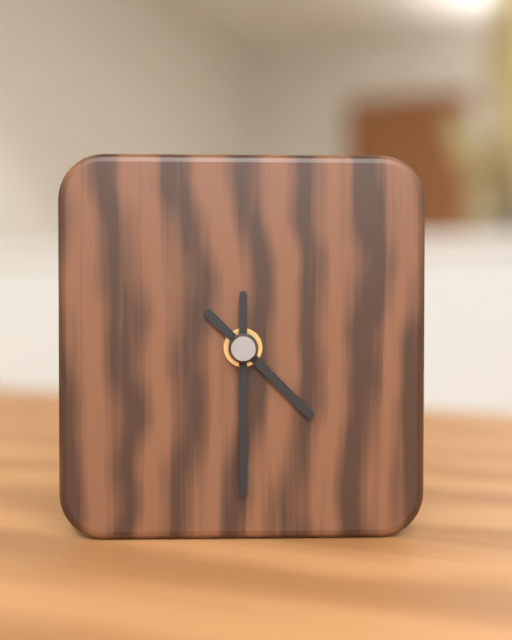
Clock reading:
{"hour": 4, "minute": 30}
